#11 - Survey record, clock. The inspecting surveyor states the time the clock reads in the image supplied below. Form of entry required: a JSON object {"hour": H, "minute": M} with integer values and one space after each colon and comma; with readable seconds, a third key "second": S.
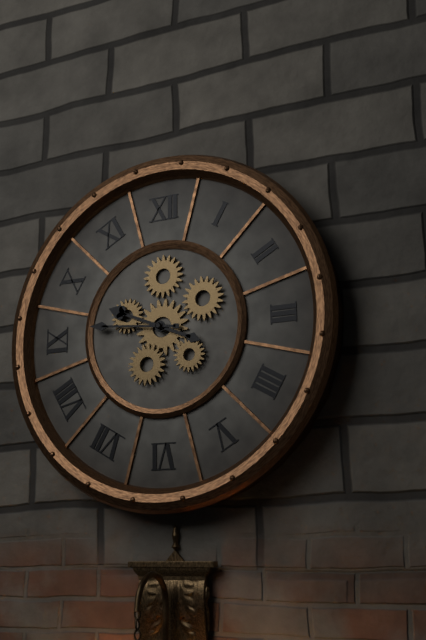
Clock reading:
{"hour": 9, "minute": 46}
